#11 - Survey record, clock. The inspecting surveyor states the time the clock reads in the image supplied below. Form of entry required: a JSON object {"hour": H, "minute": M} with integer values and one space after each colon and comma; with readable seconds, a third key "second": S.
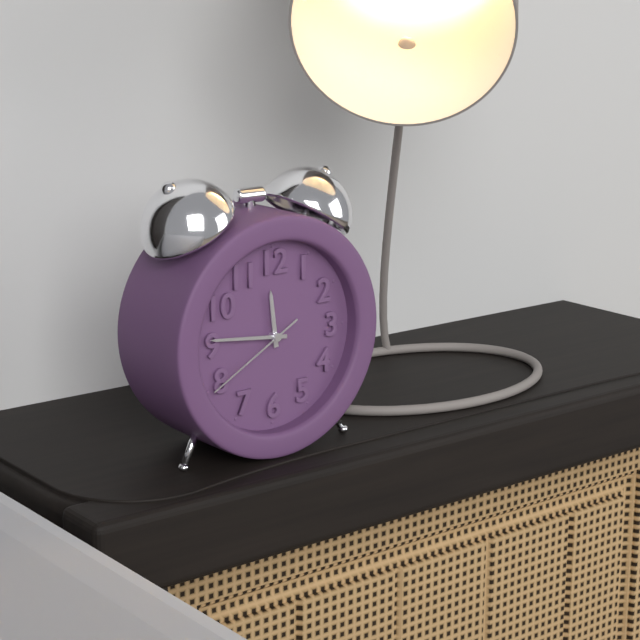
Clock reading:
{"hour": 11, "minute": 46, "second": 40}
